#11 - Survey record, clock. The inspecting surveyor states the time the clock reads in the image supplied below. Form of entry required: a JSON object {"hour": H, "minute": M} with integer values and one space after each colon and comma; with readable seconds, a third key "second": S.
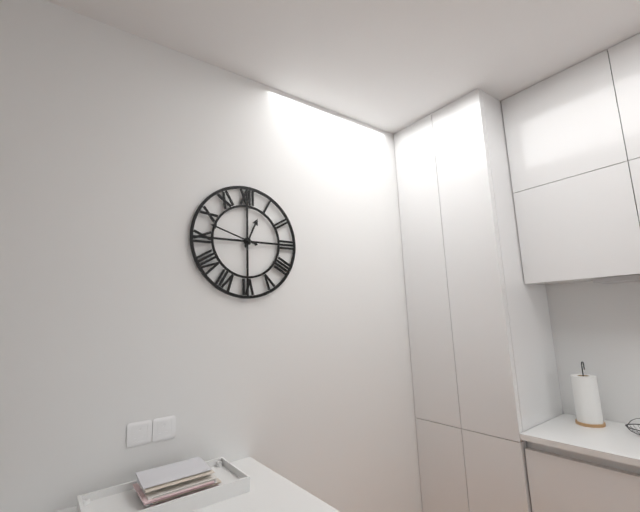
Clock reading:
{"hour": 12, "minute": 48}
